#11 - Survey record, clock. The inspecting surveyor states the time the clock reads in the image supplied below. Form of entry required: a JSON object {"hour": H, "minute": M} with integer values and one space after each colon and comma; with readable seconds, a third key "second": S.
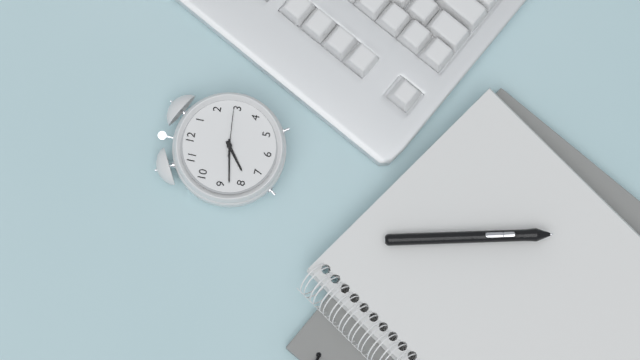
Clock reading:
{"hour": 7, "minute": 43}
